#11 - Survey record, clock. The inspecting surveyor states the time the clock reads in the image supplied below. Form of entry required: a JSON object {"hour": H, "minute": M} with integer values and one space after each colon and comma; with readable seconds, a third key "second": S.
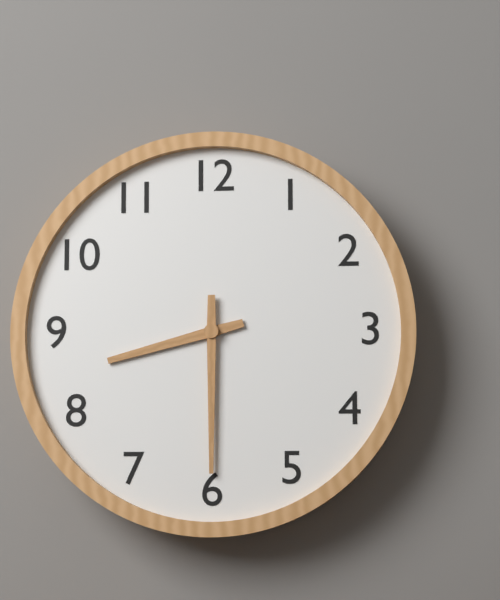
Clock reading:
{"hour": 8, "minute": 30}
